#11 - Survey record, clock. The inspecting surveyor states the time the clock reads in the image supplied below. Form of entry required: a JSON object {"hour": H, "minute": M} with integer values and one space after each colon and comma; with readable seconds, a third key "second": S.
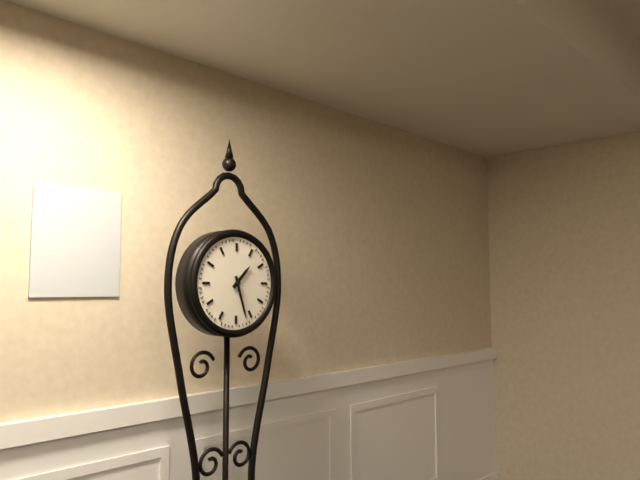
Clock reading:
{"hour": 1, "minute": 27}
